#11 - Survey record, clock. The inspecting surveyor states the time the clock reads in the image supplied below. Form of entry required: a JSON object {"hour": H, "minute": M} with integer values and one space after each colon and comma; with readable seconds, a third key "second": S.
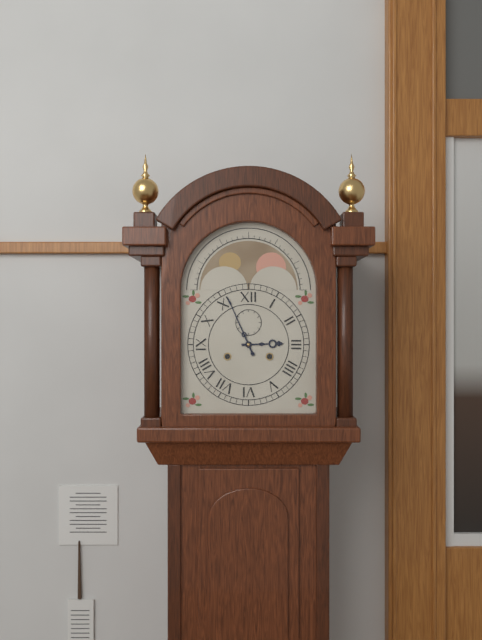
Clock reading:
{"hour": 2, "minute": 56}
